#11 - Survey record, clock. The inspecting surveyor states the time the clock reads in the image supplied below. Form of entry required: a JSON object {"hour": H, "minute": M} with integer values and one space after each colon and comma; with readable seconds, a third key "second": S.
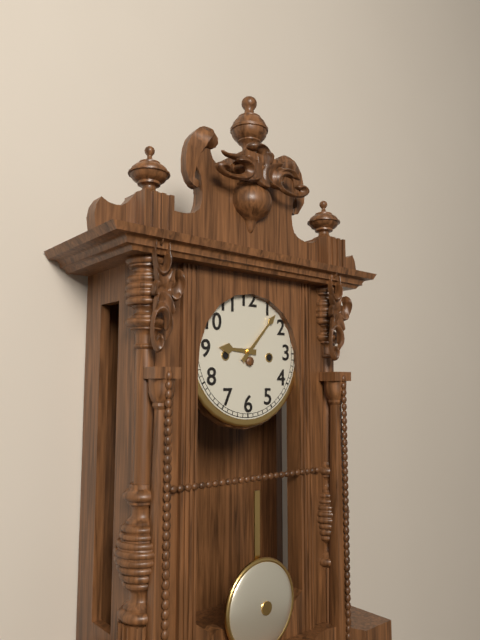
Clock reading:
{"hour": 9, "minute": 7}
